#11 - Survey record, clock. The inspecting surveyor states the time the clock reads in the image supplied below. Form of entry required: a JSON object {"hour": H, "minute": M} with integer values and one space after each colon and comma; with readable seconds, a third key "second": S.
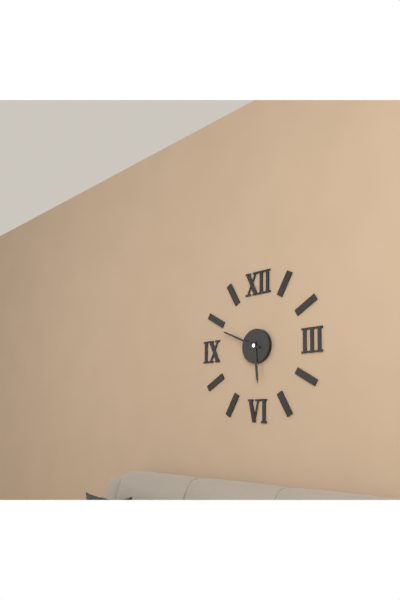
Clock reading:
{"hour": 5, "minute": 49}
